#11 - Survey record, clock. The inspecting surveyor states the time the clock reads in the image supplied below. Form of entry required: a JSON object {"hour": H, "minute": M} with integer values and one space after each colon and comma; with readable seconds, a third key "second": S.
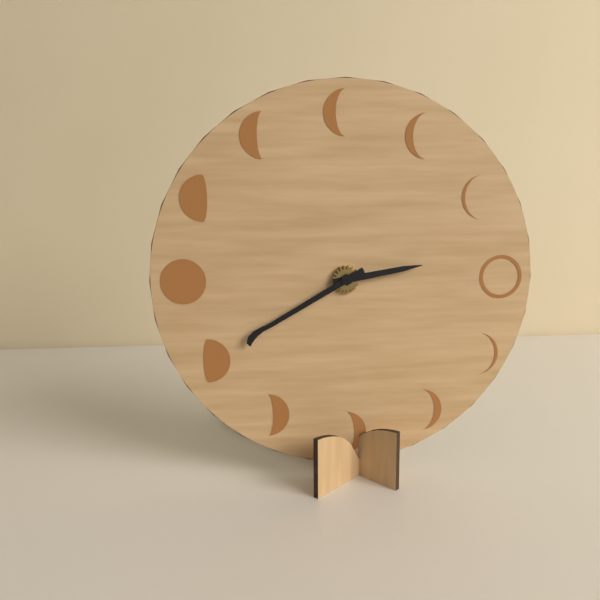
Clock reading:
{"hour": 2, "minute": 40}
